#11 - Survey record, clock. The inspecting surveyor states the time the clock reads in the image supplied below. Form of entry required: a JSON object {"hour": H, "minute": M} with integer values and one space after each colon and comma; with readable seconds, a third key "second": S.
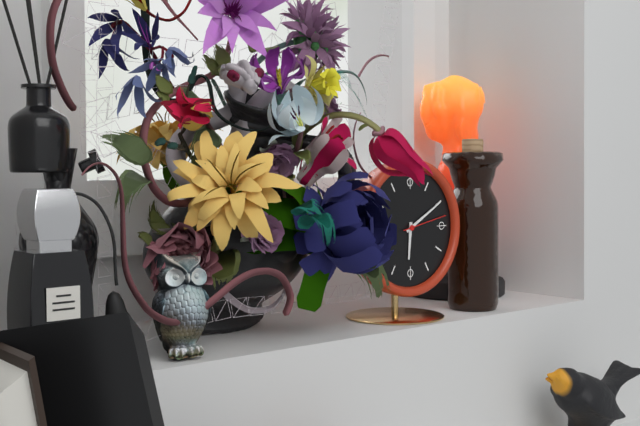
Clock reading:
{"hour": 6, "minute": 10}
